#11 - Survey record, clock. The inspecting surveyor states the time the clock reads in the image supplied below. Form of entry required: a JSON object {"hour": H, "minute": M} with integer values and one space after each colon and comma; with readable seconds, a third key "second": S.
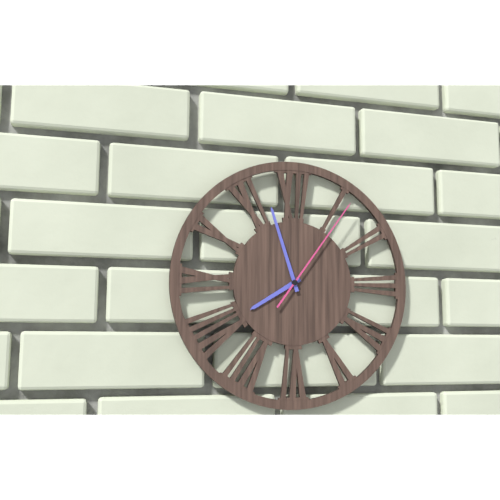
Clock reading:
{"hour": 7, "minute": 57, "second": 6}
